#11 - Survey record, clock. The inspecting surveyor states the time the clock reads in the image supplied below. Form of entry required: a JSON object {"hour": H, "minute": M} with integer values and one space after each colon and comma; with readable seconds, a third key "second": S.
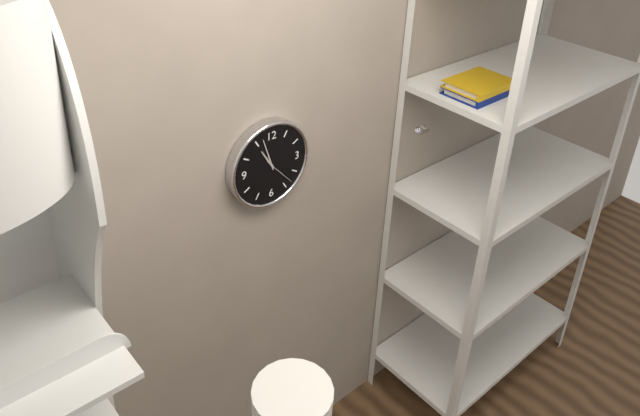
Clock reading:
{"hour": 10, "minute": 57}
